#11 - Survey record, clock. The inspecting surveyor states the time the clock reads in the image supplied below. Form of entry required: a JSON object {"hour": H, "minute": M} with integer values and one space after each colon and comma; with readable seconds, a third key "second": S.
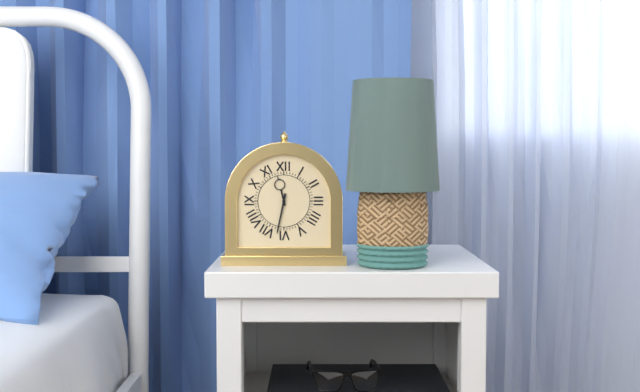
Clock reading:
{"hour": 11, "minute": 32}
